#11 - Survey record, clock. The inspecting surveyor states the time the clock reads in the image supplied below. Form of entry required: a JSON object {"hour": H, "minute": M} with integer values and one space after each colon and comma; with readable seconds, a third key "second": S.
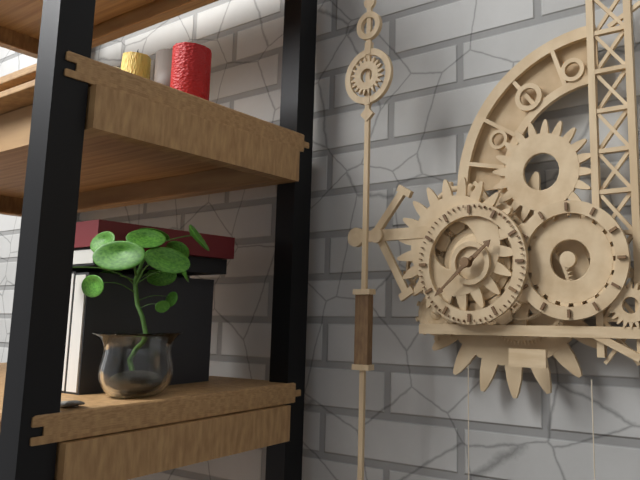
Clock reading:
{"hour": 1, "minute": 38}
